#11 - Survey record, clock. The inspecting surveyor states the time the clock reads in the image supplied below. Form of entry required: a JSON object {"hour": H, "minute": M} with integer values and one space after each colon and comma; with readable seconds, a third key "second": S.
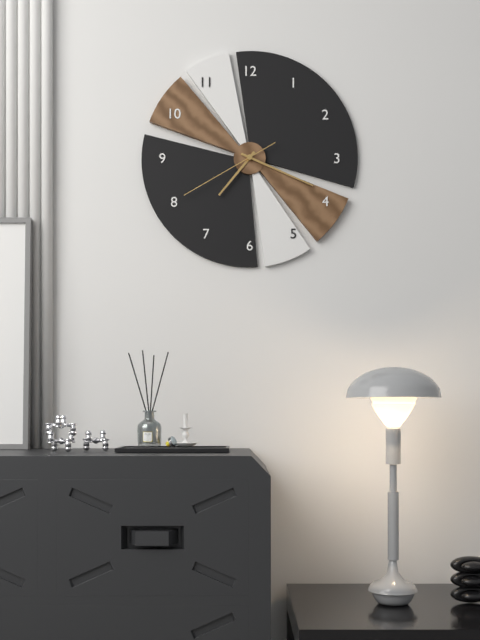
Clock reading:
{"hour": 7, "minute": 19, "second": 40}
